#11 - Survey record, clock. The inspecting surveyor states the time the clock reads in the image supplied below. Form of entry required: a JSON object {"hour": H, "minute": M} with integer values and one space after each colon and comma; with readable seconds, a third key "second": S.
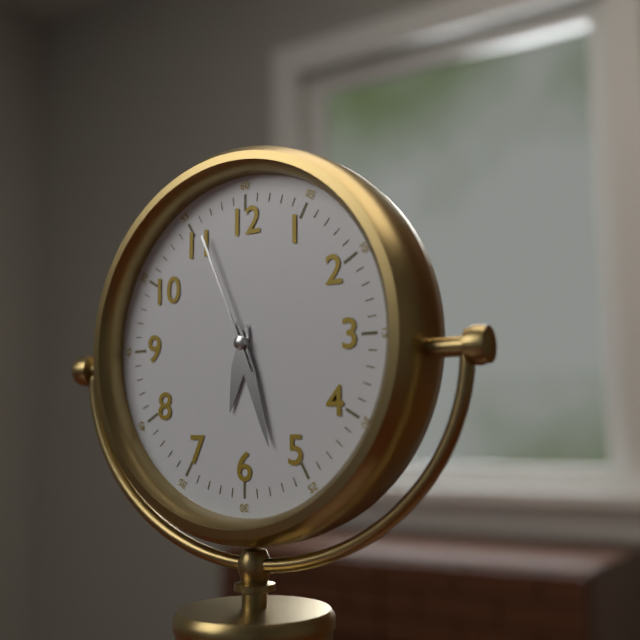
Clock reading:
{"hour": 6, "minute": 27, "second": 56}
